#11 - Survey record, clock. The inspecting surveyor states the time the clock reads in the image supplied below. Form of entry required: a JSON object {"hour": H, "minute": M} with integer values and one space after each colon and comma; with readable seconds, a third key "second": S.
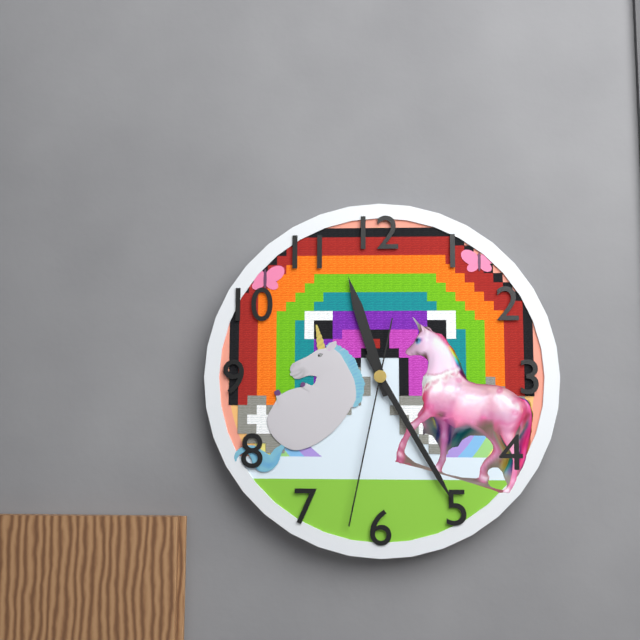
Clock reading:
{"hour": 11, "minute": 25, "second": 32}
